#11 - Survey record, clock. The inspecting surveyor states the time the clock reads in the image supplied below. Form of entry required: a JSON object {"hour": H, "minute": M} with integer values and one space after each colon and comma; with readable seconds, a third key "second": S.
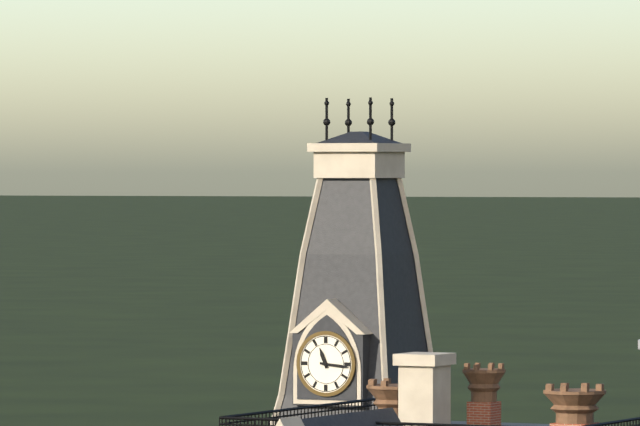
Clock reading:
{"hour": 11, "minute": 16}
